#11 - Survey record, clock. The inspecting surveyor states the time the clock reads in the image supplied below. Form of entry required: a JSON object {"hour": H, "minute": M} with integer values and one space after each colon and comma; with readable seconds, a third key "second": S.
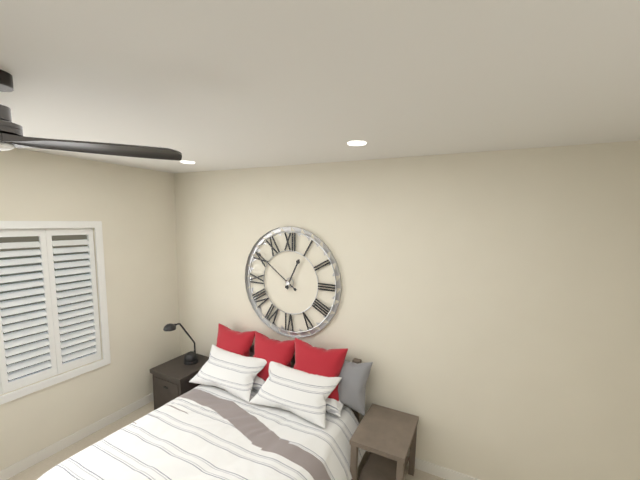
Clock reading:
{"hour": 12, "minute": 51}
